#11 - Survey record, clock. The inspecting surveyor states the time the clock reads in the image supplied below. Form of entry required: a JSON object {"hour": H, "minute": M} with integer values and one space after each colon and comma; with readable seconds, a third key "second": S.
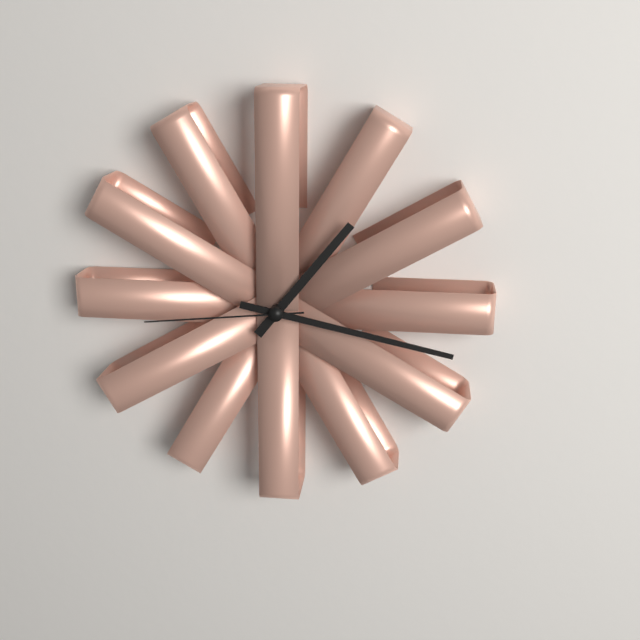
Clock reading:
{"hour": 1, "minute": 17, "second": 44}
